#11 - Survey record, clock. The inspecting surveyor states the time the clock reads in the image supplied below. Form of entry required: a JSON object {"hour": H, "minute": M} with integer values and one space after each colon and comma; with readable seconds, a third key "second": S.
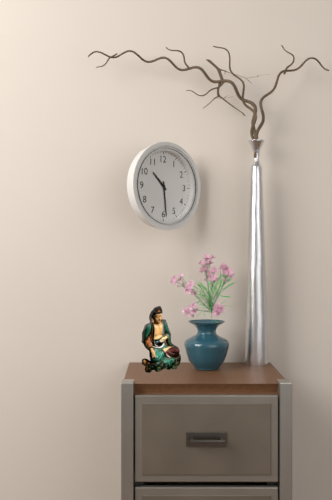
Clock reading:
{"hour": 10, "minute": 29}
